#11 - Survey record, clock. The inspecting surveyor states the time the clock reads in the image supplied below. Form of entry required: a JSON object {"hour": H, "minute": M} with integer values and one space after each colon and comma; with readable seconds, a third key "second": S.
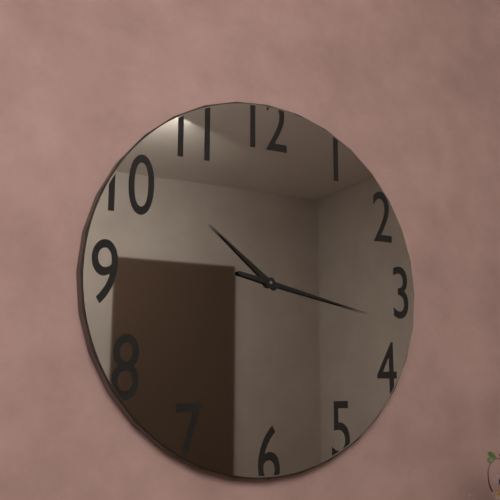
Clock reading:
{"hour": 10, "minute": 17}
